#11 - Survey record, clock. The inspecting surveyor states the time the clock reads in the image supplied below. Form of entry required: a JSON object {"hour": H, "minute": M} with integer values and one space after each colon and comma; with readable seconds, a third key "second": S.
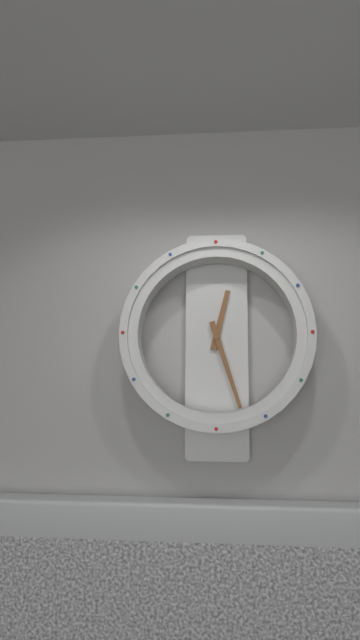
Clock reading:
{"hour": 12, "minute": 27}
